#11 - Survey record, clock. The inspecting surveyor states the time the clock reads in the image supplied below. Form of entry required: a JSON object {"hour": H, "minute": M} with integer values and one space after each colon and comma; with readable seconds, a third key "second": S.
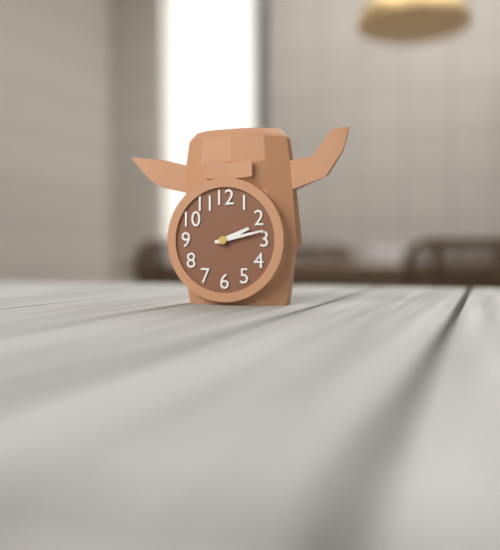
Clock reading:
{"hour": 2, "minute": 13}
